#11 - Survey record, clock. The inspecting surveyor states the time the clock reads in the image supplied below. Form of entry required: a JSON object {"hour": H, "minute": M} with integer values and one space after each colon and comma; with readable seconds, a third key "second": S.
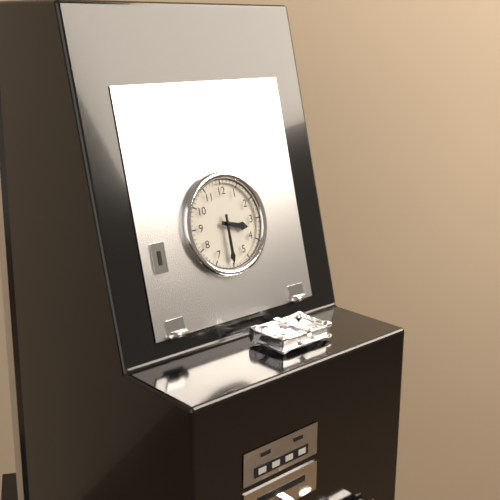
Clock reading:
{"hour": 3, "minute": 30}
